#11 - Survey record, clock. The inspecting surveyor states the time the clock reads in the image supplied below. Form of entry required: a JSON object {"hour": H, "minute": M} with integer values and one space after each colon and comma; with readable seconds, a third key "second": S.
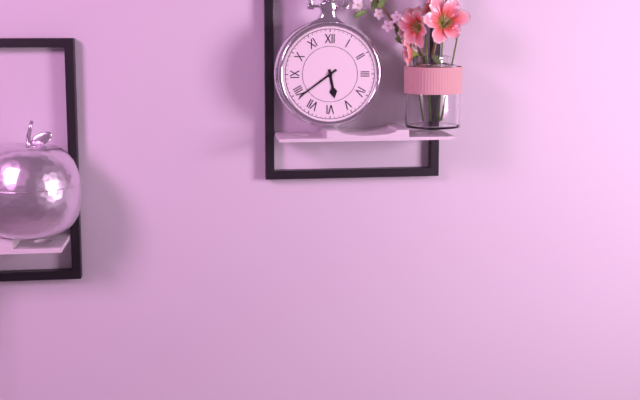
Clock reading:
{"hour": 5, "minute": 39}
